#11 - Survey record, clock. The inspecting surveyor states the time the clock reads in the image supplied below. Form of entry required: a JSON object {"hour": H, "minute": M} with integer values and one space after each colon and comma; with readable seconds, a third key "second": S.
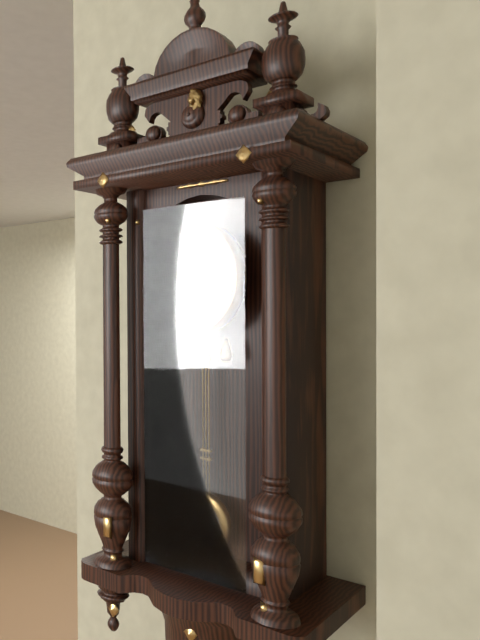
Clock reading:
{"hour": 10, "minute": 59}
